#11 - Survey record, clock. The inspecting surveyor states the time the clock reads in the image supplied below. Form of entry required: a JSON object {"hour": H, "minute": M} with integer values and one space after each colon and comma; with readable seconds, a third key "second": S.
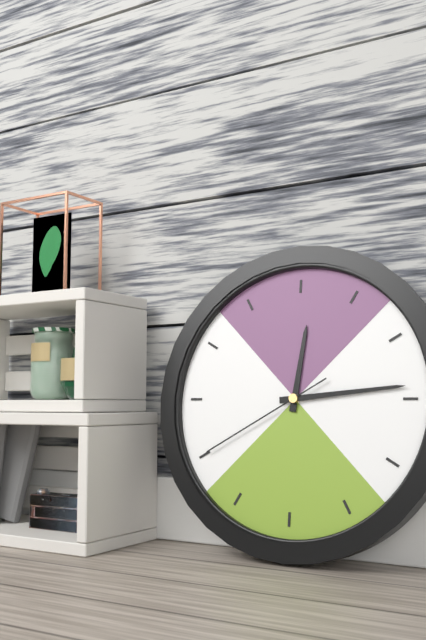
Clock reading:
{"hour": 12, "minute": 14, "second": 40}
